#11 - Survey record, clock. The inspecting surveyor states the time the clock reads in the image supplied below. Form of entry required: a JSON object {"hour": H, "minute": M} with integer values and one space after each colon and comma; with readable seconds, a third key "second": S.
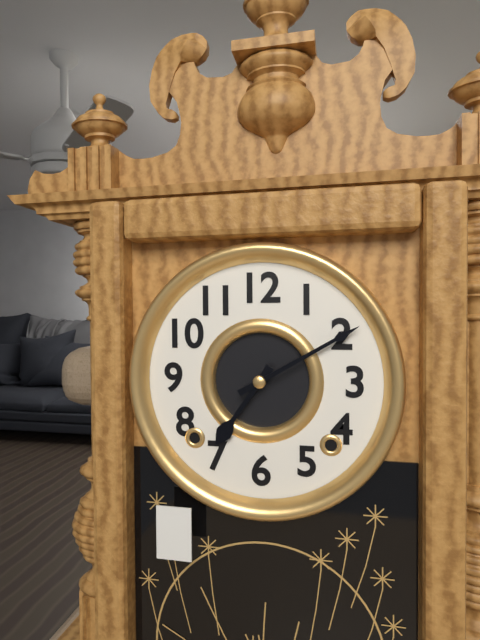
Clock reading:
{"hour": 7, "minute": 10}
